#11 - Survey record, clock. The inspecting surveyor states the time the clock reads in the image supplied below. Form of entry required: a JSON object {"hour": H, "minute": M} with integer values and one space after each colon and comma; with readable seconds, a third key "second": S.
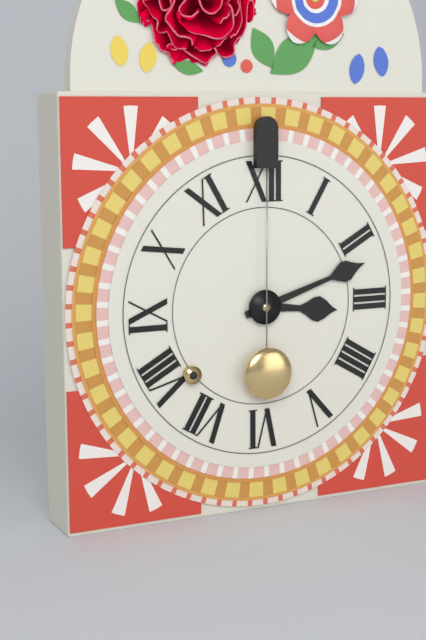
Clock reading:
{"hour": 3, "minute": 12}
